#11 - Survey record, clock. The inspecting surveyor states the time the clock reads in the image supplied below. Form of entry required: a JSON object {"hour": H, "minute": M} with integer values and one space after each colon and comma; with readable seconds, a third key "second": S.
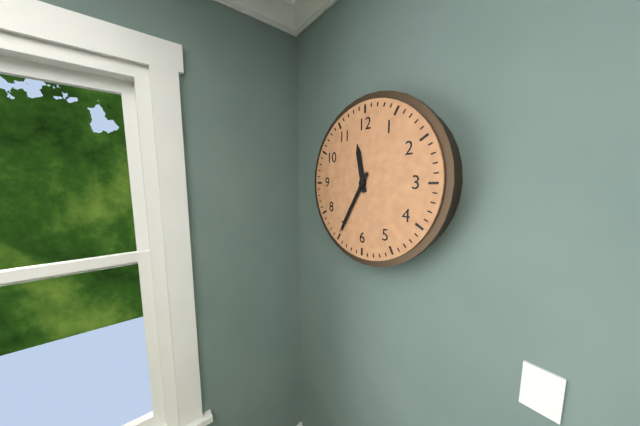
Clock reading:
{"hour": 11, "minute": 35}
